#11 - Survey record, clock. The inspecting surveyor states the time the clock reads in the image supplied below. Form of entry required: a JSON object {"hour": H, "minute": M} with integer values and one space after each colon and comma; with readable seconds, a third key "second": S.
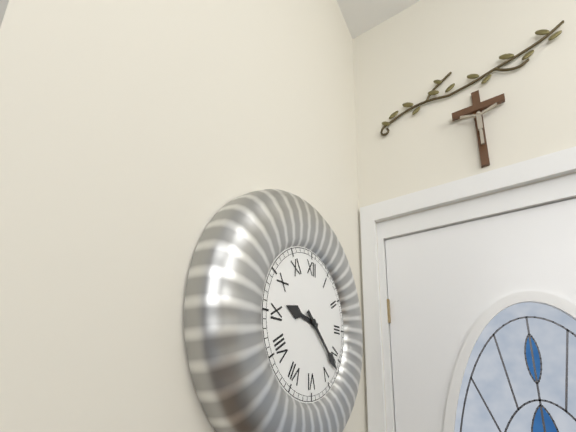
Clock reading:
{"hour": 9, "minute": 22}
